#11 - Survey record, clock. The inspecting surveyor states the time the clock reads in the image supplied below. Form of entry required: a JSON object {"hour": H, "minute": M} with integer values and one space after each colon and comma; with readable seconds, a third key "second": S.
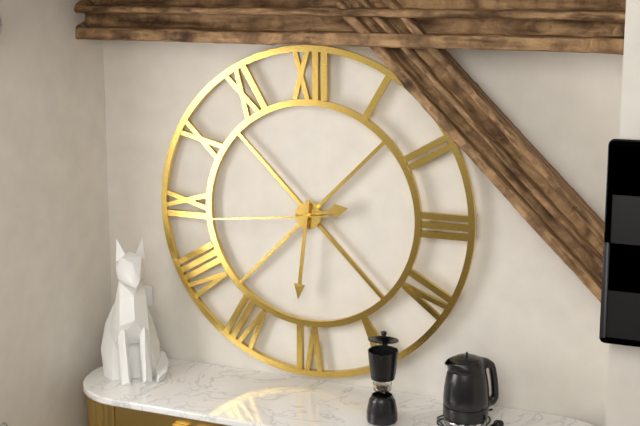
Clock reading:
{"hour": 2, "minute": 31, "second": 44}
